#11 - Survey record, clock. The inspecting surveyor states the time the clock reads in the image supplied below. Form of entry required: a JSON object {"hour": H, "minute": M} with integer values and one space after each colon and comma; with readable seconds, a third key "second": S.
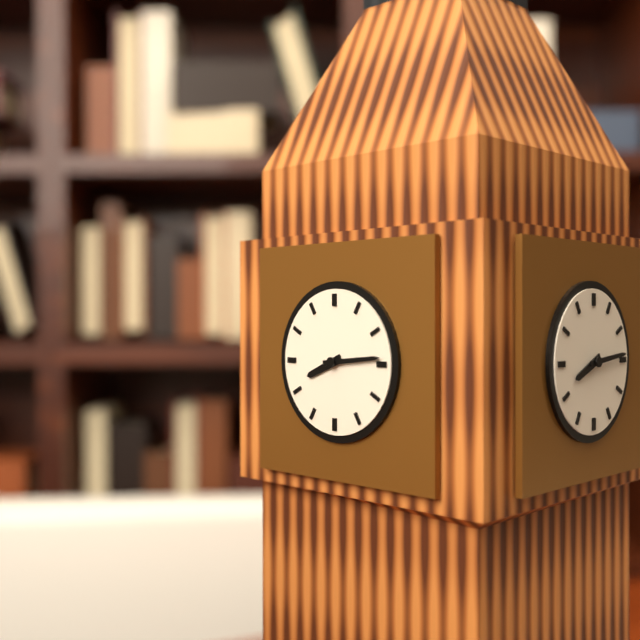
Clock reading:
{"hour": 8, "minute": 14}
